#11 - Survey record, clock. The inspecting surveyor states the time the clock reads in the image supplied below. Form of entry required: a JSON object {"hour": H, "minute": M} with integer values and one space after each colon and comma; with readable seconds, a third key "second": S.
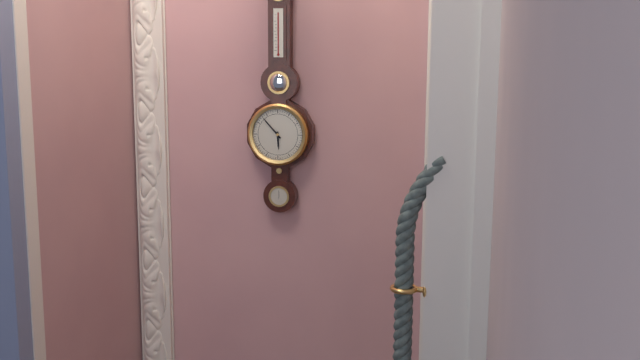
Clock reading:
{"hour": 5, "minute": 53}
